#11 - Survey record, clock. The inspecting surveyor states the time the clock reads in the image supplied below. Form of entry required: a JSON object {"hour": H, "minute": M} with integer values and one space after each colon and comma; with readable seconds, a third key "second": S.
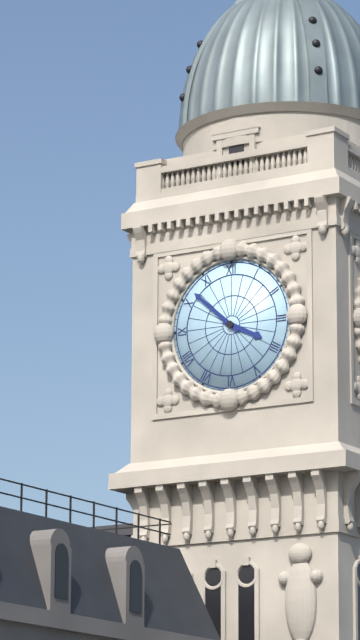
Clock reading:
{"hour": 3, "minute": 52}
